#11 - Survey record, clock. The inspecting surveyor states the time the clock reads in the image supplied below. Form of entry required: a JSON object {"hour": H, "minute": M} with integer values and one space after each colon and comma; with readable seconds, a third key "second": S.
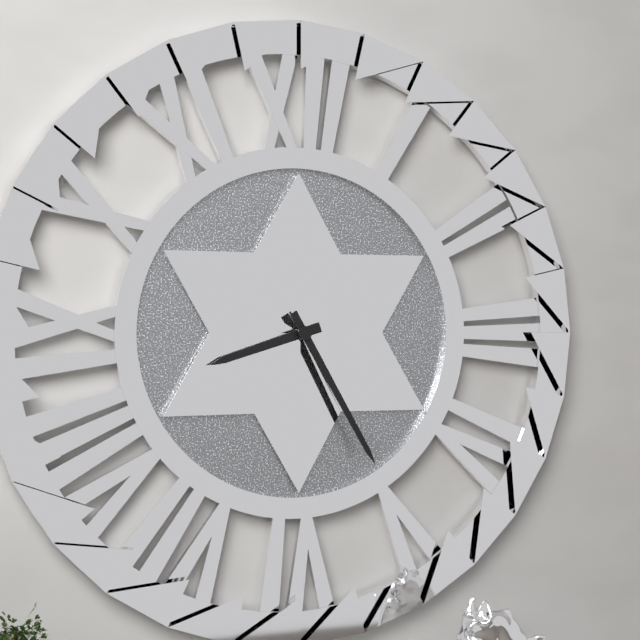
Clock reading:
{"hour": 8, "minute": 25}
